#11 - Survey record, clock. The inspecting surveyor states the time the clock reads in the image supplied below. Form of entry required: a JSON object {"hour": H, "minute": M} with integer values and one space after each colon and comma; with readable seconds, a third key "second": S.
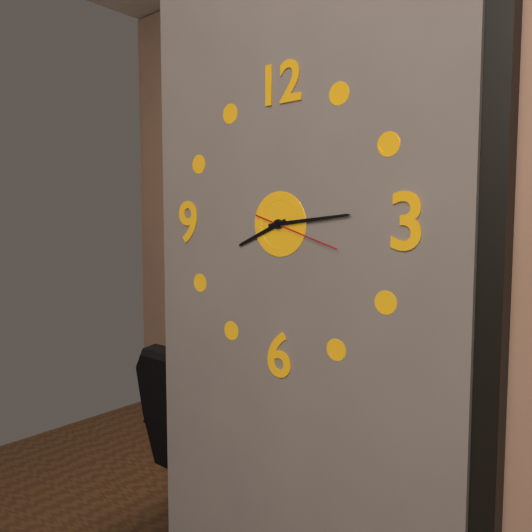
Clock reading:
{"hour": 8, "minute": 14, "second": 18}
